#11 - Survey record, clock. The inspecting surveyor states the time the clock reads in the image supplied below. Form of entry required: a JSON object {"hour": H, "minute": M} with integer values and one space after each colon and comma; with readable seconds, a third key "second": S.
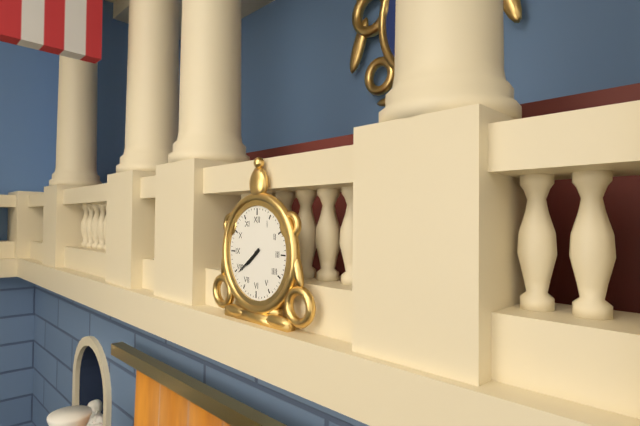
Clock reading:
{"hour": 7, "minute": 39}
